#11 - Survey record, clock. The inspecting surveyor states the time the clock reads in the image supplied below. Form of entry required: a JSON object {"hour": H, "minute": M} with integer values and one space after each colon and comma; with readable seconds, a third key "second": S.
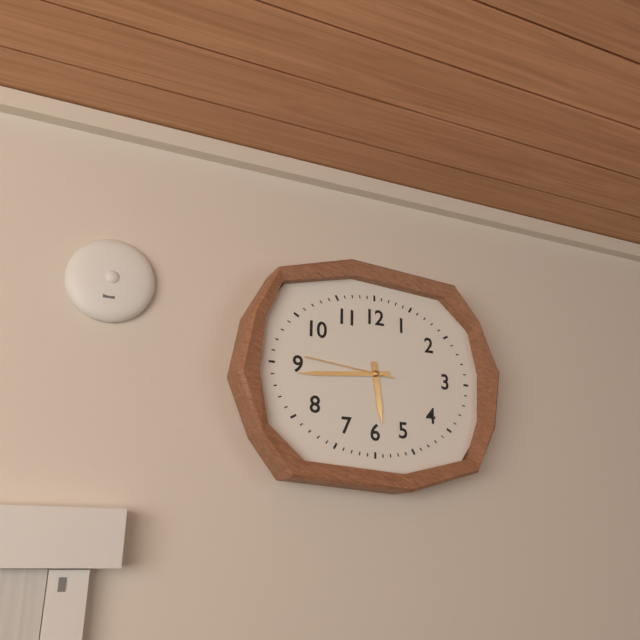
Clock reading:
{"hour": 5, "minute": 44, "second": 46}
